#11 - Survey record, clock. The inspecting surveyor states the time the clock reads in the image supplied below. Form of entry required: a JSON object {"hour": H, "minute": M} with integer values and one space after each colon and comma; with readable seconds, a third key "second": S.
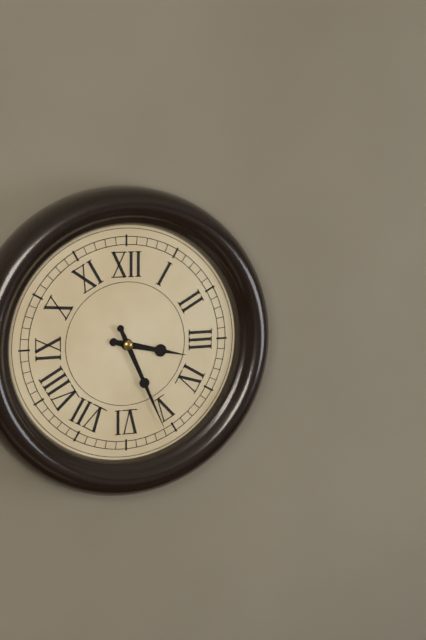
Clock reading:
{"hour": 3, "minute": 26}
